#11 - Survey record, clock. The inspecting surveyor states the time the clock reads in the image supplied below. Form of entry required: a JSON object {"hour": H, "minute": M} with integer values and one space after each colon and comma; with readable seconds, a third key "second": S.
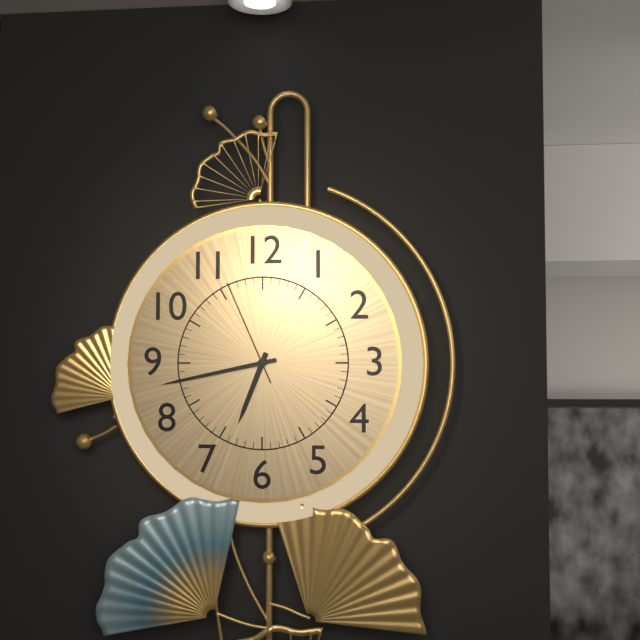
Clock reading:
{"hour": 6, "minute": 43, "second": 56}
